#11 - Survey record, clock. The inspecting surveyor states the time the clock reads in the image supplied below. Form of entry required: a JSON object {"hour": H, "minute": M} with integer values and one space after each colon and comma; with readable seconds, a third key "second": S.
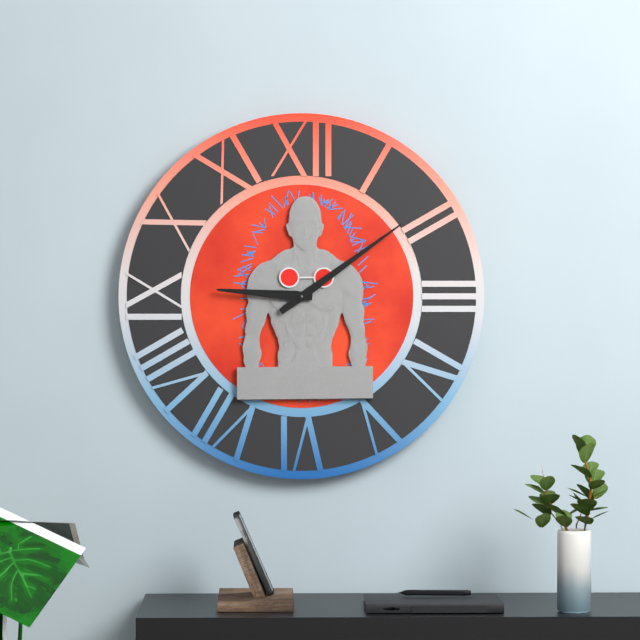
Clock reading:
{"hour": 9, "minute": 9}
